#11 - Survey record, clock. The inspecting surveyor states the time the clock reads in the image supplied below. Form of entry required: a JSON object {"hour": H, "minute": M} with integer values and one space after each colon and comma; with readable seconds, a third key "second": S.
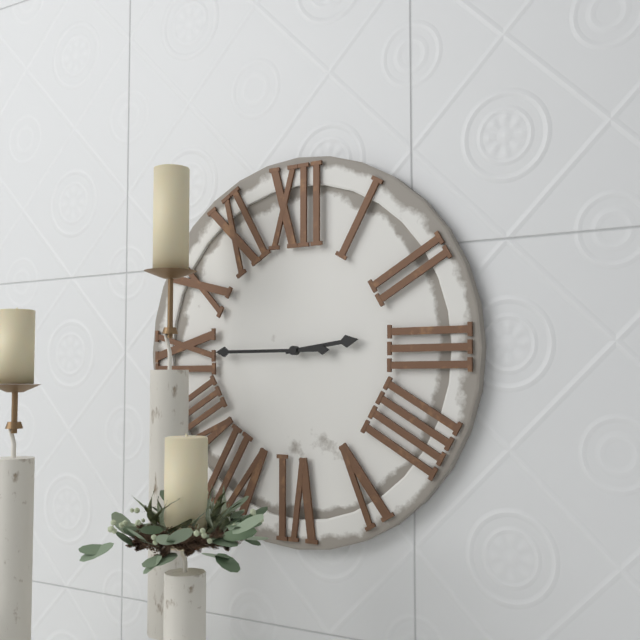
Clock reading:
{"hour": 2, "minute": 45}
